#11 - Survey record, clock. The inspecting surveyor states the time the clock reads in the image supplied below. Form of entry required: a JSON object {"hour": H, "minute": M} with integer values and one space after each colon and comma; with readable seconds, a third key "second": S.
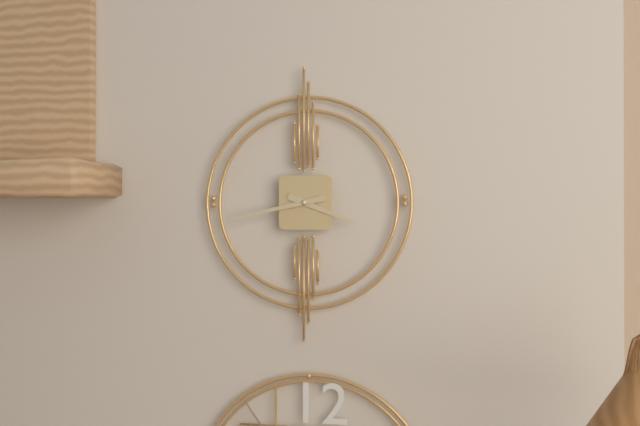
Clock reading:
{"hour": 3, "minute": 43}
